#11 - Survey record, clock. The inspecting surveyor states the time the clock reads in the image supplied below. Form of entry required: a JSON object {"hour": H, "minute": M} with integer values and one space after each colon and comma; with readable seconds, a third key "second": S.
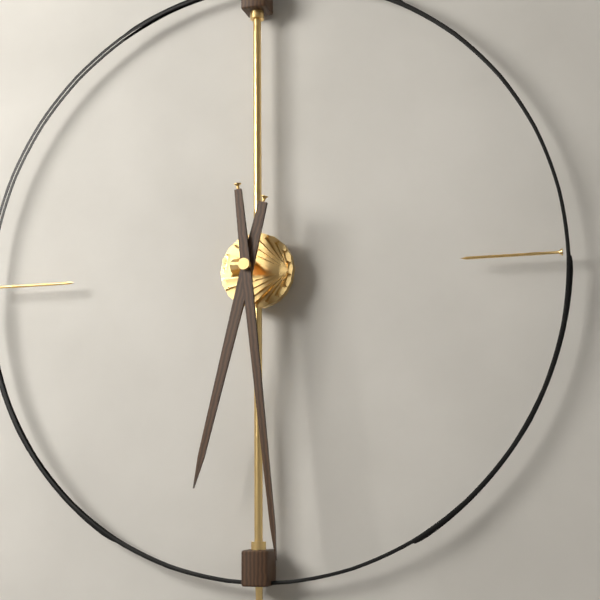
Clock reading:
{"hour": 6, "minute": 29}
